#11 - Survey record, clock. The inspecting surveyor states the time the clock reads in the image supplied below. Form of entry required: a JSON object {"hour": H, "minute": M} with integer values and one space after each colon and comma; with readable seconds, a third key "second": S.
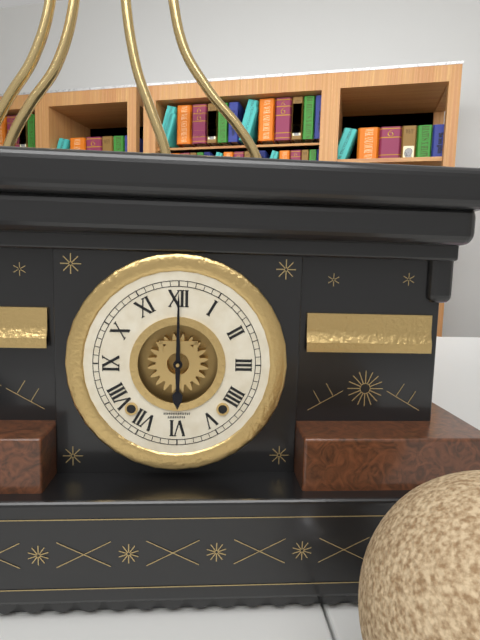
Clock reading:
{"hour": 6, "minute": 0}
